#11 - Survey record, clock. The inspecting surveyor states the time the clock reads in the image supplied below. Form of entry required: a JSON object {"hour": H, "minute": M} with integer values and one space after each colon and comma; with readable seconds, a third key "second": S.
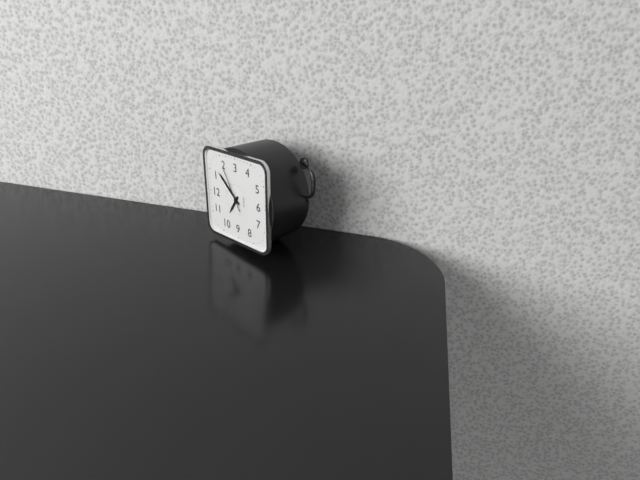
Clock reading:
{"hour": 10, "minute": 7}
